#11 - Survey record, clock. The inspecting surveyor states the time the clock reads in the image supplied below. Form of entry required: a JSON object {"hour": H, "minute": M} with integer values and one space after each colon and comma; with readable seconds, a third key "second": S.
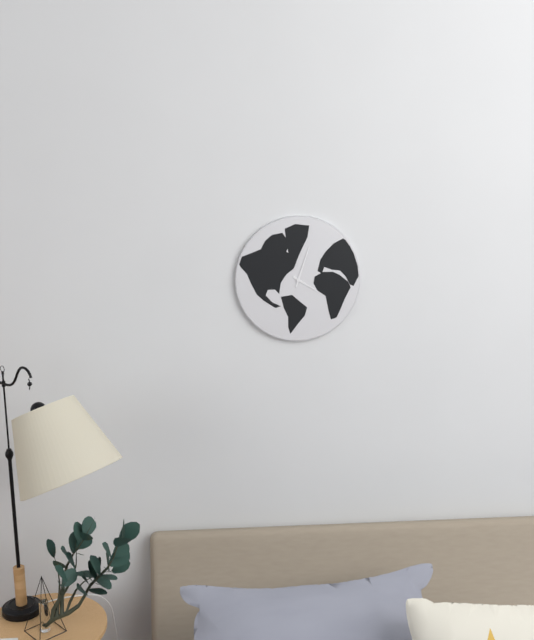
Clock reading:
{"hour": 4, "minute": 3}
